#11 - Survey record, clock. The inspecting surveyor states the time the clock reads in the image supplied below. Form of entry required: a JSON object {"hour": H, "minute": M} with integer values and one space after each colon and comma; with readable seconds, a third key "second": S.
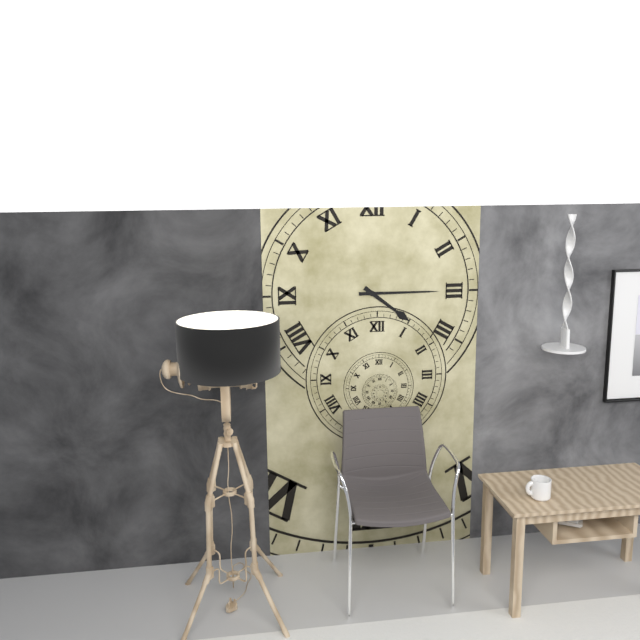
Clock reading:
{"hour": 4, "minute": 15}
